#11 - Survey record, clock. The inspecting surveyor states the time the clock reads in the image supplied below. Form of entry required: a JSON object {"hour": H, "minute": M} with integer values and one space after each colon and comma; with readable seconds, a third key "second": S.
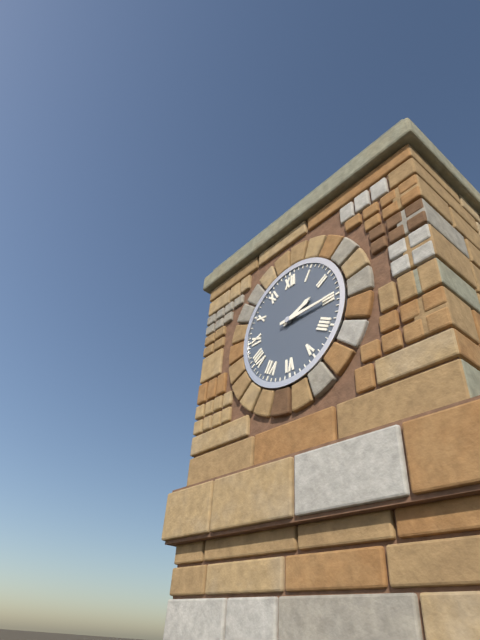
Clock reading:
{"hour": 2, "minute": 15}
